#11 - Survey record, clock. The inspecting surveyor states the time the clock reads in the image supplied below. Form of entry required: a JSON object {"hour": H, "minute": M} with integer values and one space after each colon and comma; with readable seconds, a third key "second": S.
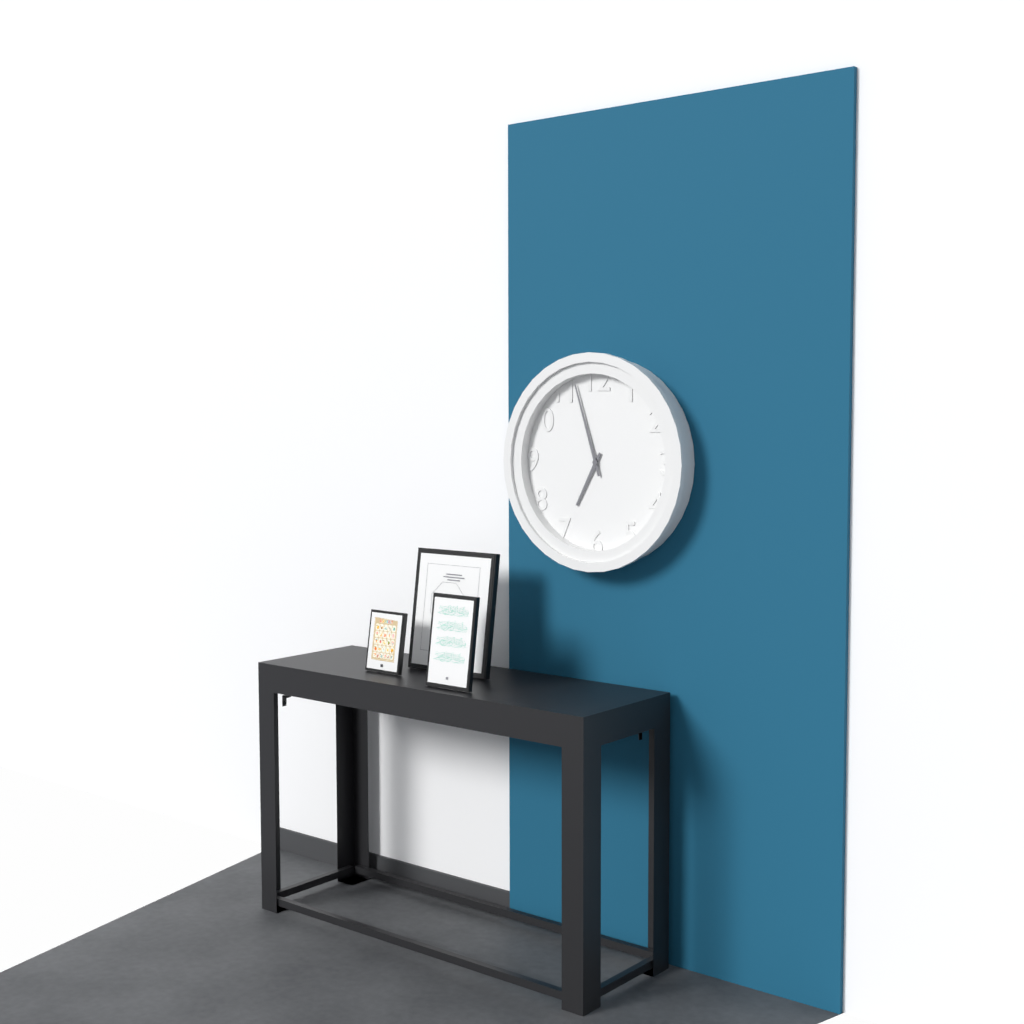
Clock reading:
{"hour": 6, "minute": 57}
